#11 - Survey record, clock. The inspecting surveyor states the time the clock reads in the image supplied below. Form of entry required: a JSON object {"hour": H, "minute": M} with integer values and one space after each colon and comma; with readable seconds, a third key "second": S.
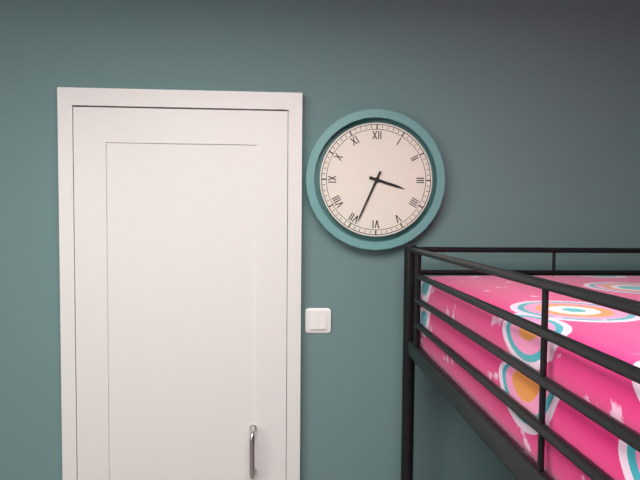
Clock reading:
{"hour": 3, "minute": 34}
